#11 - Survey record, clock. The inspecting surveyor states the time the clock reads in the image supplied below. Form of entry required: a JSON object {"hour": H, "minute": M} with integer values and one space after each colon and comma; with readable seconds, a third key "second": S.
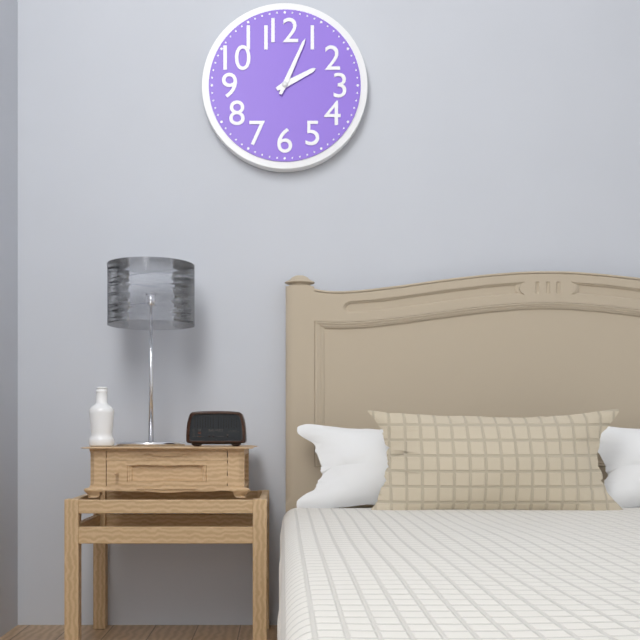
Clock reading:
{"hour": 2, "minute": 4}
